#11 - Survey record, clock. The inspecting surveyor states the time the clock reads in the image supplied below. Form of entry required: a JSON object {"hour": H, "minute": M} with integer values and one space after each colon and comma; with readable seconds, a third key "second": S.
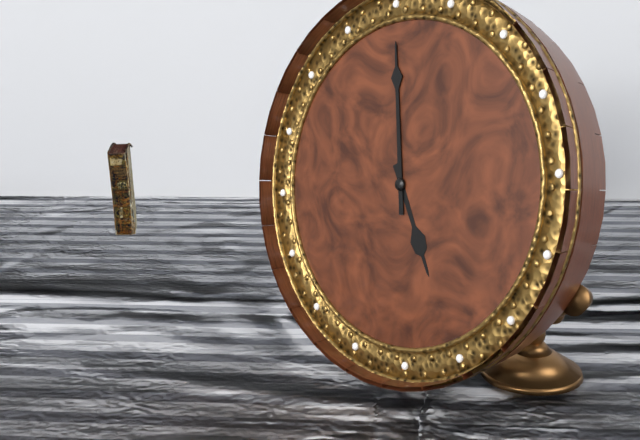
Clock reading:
{"hour": 4, "minute": 58}
